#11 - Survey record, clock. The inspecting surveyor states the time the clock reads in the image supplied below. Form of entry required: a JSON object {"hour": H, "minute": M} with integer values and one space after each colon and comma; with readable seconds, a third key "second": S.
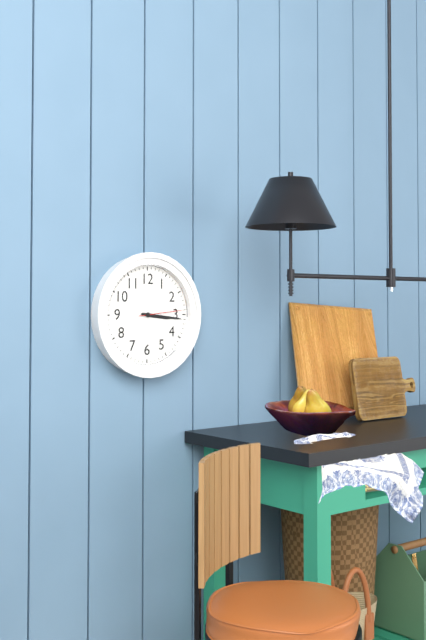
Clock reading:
{"hour": 3, "minute": 16}
